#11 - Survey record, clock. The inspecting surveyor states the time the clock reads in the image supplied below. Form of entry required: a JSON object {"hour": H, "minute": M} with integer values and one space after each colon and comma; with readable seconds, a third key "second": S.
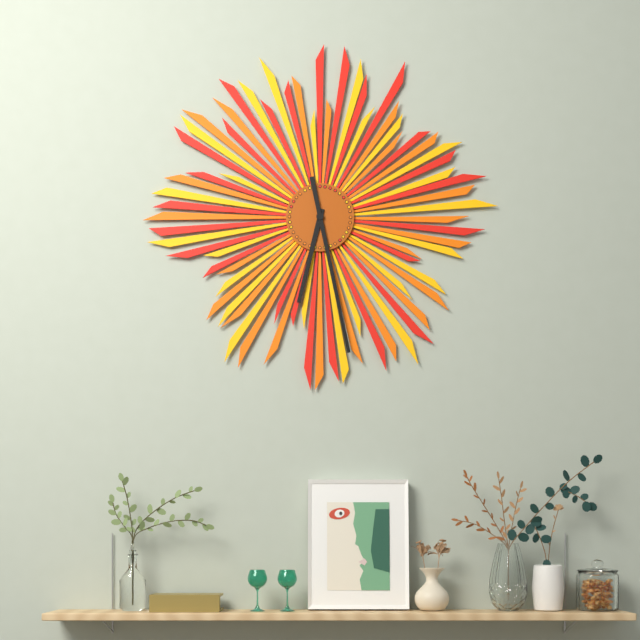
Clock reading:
{"hour": 6, "minute": 28}
